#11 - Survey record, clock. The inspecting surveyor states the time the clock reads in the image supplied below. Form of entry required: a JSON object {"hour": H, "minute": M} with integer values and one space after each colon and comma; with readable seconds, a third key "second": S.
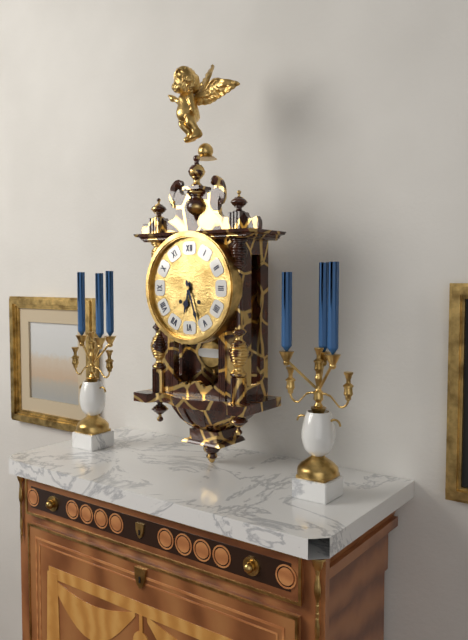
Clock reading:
{"hour": 6, "minute": 27}
